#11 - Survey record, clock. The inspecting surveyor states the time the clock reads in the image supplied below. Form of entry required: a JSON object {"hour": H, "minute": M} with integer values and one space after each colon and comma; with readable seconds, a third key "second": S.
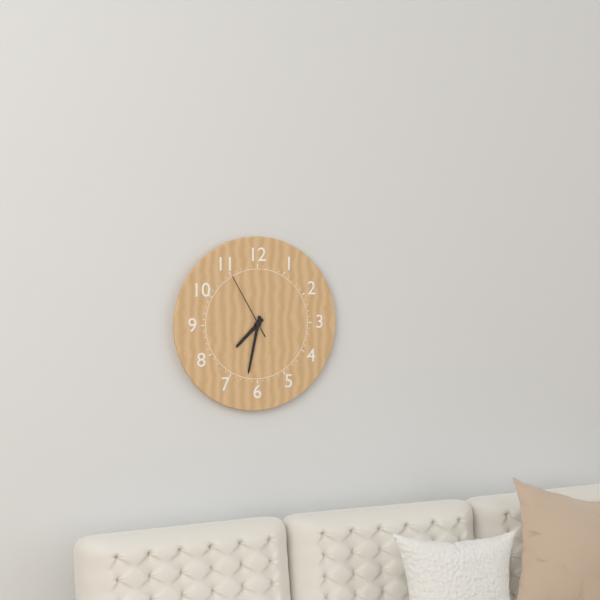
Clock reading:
{"hour": 7, "minute": 32, "second": 55}
